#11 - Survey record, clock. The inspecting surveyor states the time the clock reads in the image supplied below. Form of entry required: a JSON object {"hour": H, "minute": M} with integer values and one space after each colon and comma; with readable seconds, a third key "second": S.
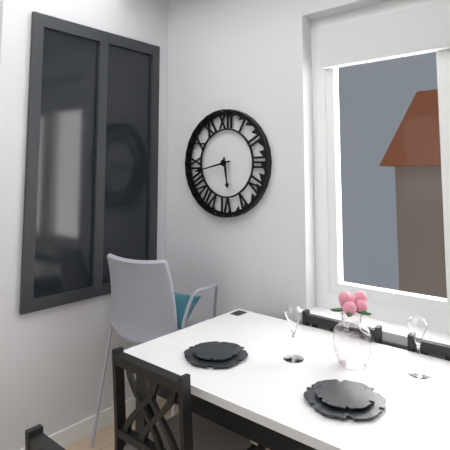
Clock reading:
{"hour": 5, "minute": 43}
